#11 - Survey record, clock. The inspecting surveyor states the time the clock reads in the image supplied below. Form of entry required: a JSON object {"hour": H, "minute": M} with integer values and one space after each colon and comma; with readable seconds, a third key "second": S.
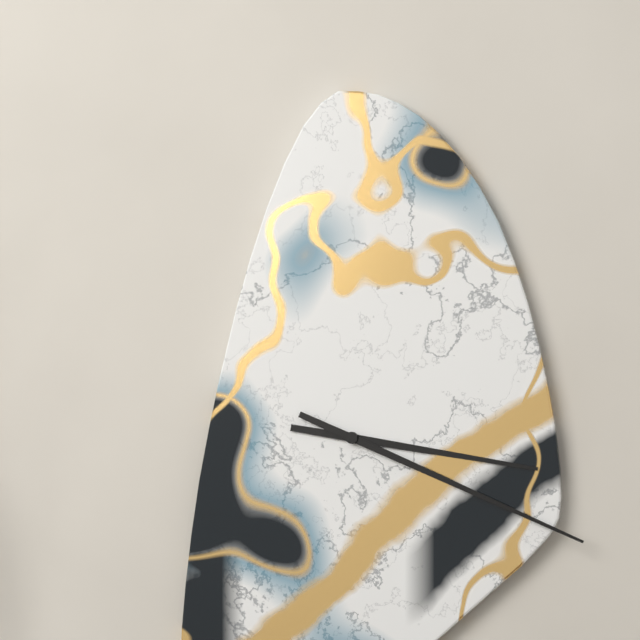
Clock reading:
{"hour": 3, "minute": 19}
